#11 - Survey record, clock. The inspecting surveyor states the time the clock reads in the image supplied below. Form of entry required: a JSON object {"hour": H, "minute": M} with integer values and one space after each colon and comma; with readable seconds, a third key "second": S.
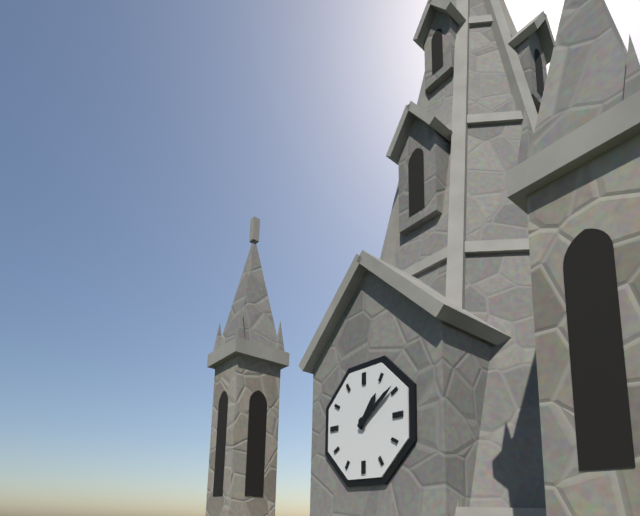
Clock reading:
{"hour": 1, "minute": 9}
